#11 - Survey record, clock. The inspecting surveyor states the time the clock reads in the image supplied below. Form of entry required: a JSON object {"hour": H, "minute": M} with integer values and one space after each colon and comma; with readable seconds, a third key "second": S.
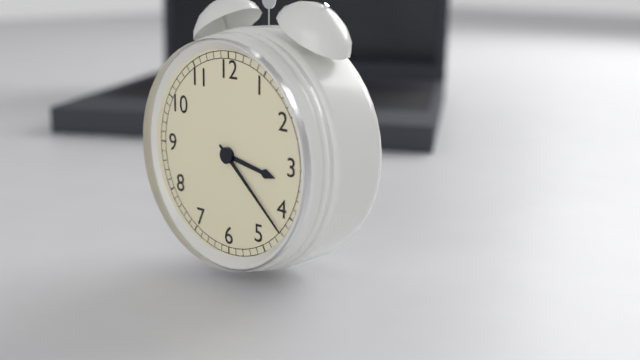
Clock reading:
{"hour": 3, "minute": 22}
